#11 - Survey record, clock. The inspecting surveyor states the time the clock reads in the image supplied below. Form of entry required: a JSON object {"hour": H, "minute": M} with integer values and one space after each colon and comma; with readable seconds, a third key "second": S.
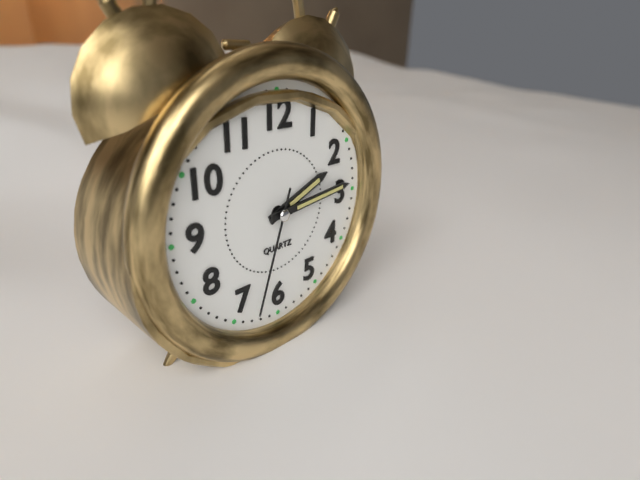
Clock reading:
{"hour": 2, "minute": 14, "second": 33}
